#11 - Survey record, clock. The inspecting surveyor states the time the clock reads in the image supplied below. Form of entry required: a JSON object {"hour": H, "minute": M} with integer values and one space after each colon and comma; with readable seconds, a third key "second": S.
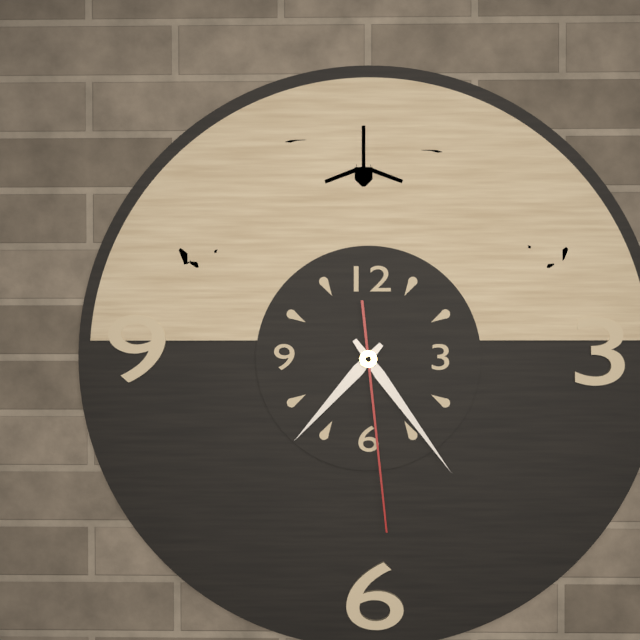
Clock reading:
{"hour": 7, "minute": 24, "second": 29}
